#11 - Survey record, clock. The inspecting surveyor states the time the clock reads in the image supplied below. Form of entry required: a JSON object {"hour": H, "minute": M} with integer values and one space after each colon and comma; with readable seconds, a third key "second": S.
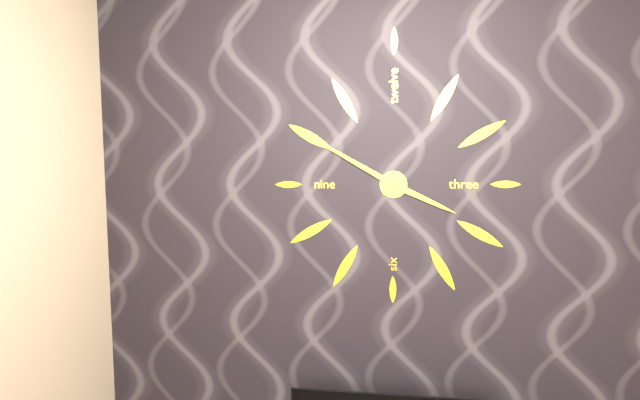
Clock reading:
{"hour": 3, "minute": 50}
